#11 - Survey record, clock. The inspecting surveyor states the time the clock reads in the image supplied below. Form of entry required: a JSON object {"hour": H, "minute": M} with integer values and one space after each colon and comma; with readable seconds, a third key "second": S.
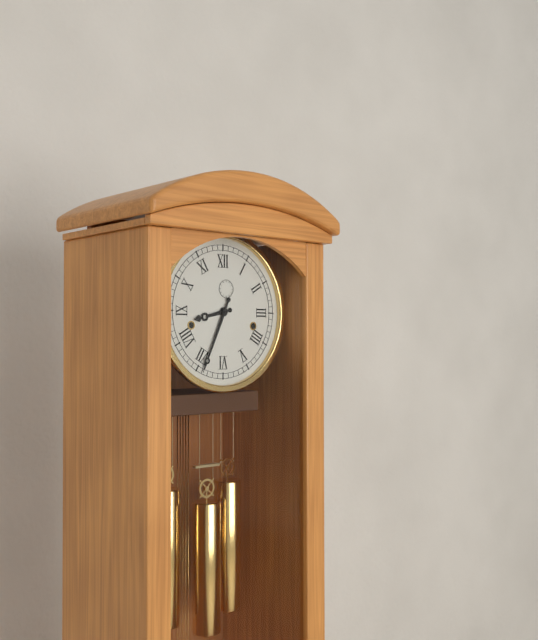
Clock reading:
{"hour": 8, "minute": 34}
